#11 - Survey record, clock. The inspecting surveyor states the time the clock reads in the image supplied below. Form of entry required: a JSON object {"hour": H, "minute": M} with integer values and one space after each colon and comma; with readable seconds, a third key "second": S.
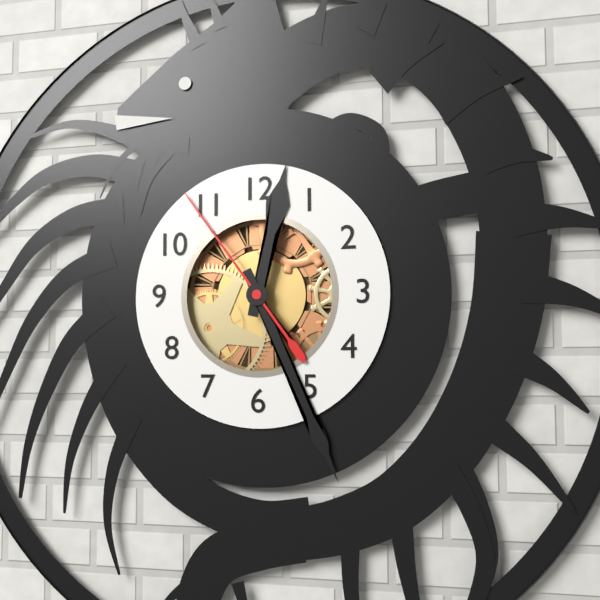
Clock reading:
{"hour": 12, "minute": 26, "second": 54}
